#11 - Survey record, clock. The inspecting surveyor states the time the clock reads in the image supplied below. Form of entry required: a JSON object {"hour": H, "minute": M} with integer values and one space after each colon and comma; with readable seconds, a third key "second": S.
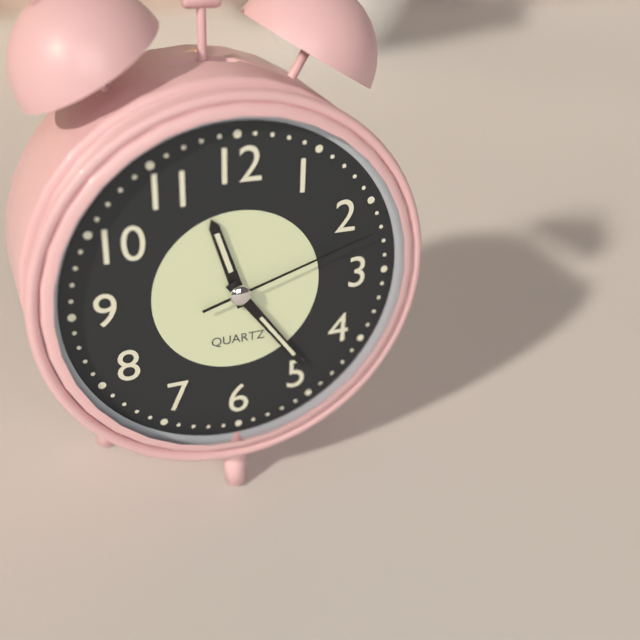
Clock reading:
{"hour": 11, "minute": 24, "second": 12}
